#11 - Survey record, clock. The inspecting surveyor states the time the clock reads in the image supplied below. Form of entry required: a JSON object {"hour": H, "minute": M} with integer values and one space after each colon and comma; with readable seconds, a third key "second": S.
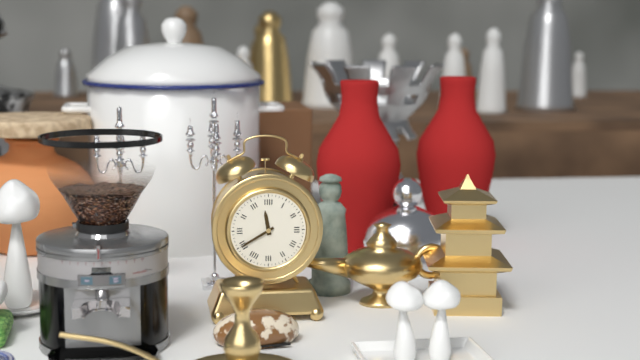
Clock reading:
{"hour": 11, "minute": 40}
